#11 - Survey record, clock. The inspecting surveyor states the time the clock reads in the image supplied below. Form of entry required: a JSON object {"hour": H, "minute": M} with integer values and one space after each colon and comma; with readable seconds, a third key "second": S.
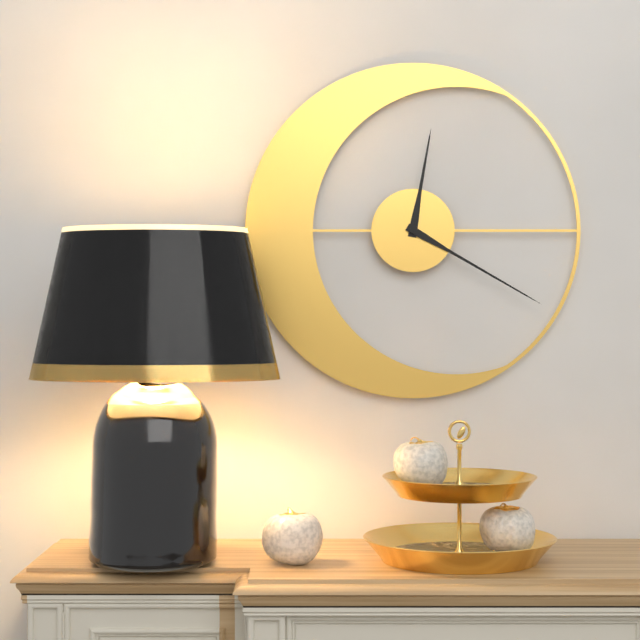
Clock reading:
{"hour": 12, "minute": 20}
